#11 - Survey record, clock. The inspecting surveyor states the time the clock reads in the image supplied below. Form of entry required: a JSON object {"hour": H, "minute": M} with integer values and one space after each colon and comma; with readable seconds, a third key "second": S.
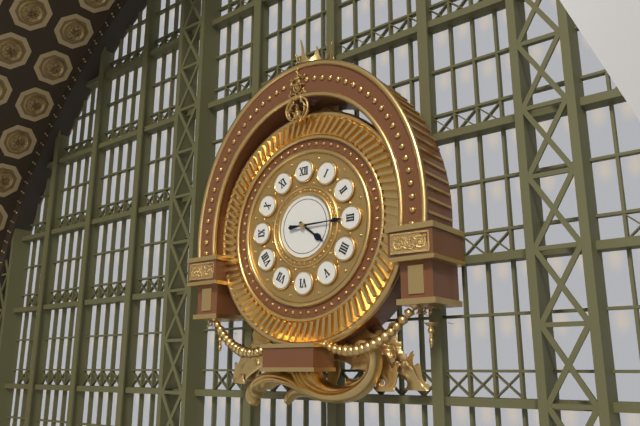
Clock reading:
{"hour": 4, "minute": 15}
